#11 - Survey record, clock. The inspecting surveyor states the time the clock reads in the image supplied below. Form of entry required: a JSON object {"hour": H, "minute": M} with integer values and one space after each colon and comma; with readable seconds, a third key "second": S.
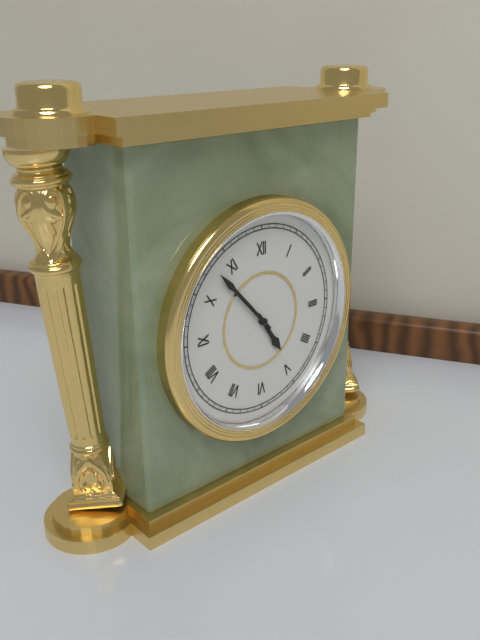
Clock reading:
{"hour": 4, "minute": 53}
